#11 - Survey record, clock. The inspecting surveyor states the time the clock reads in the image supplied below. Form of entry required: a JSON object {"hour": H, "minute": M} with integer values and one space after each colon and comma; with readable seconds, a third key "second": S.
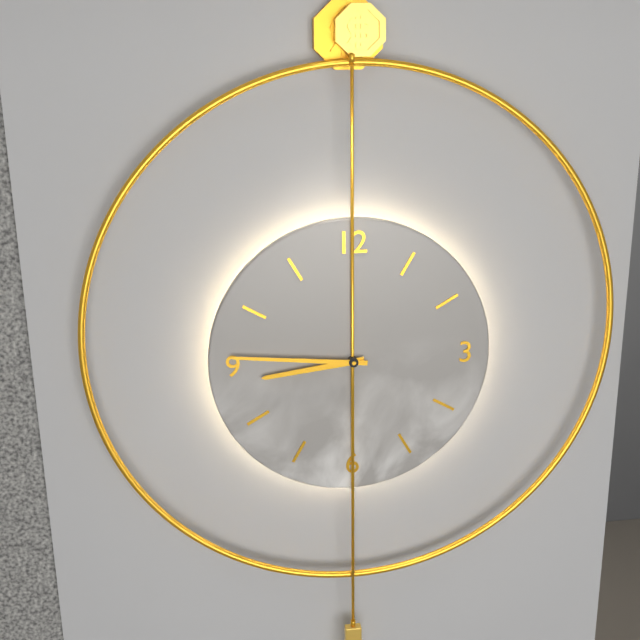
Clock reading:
{"hour": 8, "minute": 46}
